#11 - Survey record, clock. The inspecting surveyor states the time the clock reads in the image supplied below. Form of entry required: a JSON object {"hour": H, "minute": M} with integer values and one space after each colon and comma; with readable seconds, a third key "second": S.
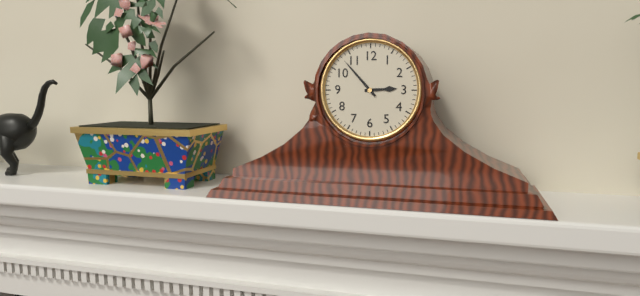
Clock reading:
{"hour": 2, "minute": 53}
